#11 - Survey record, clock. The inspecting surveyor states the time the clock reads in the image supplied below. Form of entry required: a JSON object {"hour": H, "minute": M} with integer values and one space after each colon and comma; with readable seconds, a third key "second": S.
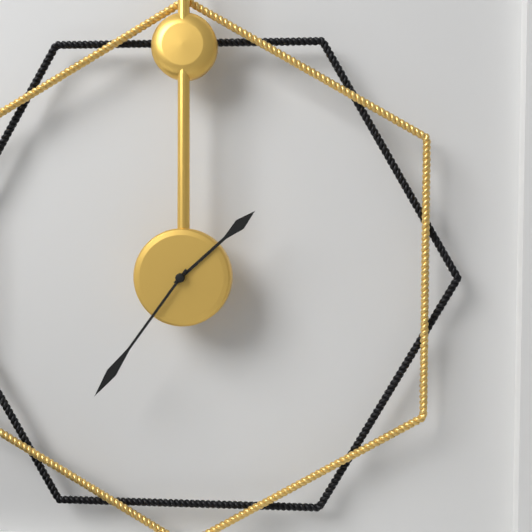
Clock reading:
{"hour": 1, "minute": 36}
